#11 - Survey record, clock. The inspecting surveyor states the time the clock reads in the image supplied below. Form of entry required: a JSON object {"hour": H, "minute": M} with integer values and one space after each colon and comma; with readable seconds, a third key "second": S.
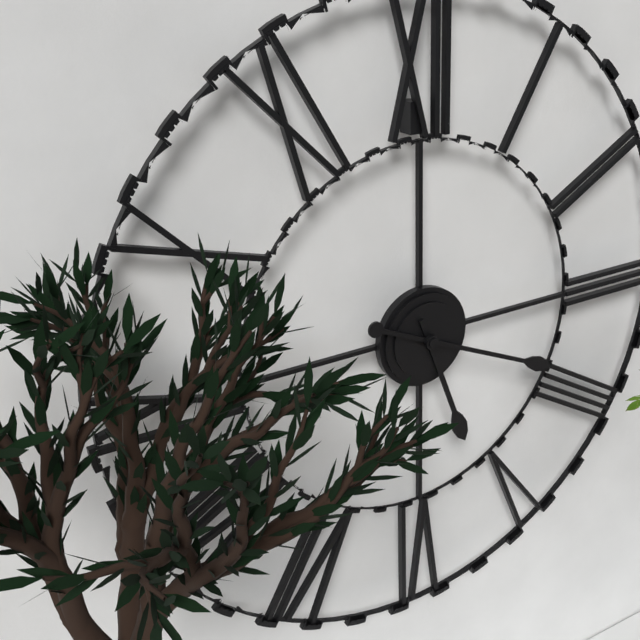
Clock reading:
{"hour": 5, "minute": 19}
